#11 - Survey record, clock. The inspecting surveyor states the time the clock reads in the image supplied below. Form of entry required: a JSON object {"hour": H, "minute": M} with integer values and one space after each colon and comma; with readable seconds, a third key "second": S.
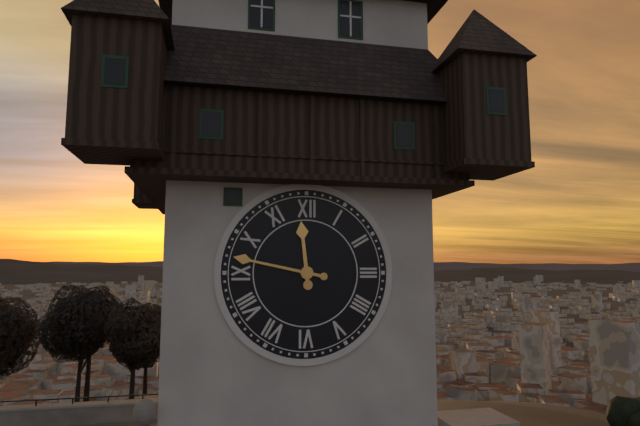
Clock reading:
{"hour": 11, "minute": 47}
